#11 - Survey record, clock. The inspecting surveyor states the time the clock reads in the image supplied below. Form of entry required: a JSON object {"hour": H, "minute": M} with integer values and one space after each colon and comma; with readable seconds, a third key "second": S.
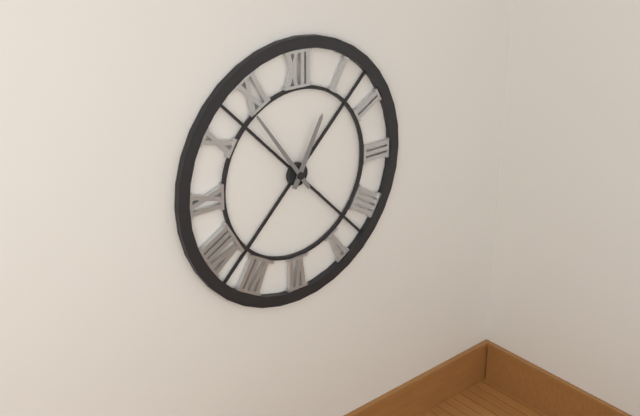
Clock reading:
{"hour": 12, "minute": 54}
